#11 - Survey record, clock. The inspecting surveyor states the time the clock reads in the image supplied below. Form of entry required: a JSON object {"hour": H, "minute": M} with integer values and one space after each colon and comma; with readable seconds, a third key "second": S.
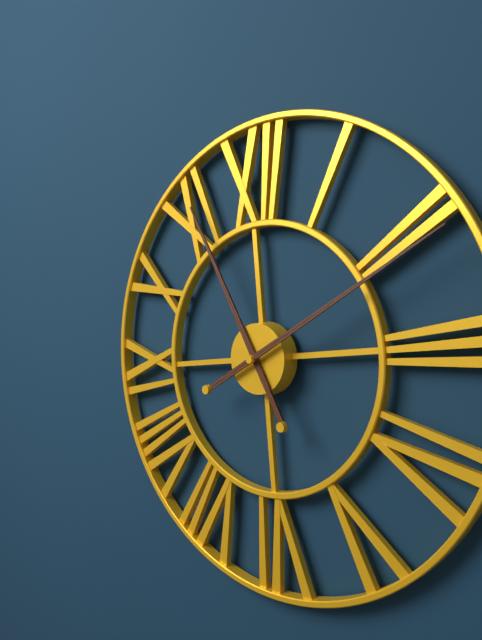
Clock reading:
{"hour": 11, "minute": 11}
